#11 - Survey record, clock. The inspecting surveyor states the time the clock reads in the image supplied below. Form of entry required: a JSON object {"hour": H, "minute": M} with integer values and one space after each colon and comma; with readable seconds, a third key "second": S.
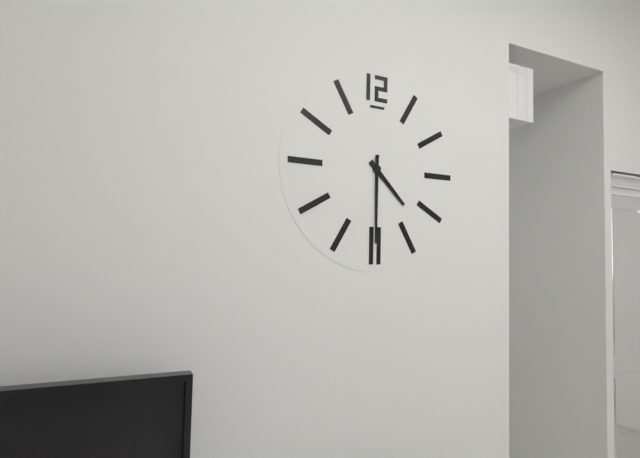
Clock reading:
{"hour": 4, "minute": 30}
